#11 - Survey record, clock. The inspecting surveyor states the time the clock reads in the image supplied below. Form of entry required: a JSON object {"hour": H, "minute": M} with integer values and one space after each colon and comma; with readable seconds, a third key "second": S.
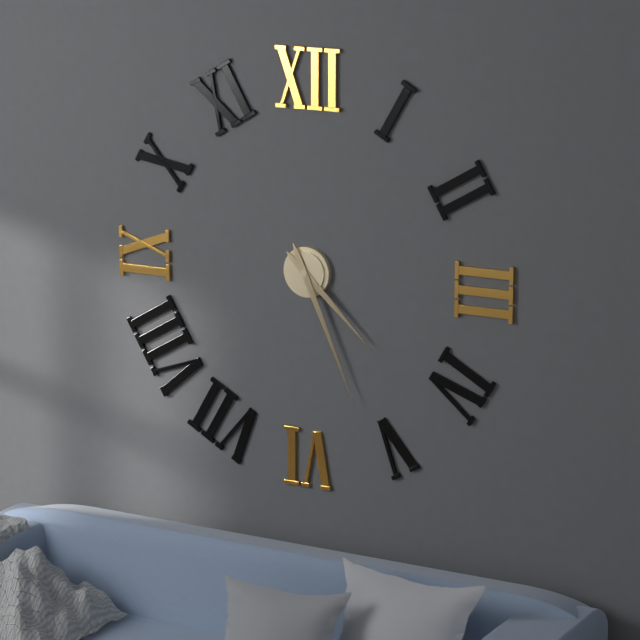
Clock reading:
{"hour": 4, "minute": 26}
